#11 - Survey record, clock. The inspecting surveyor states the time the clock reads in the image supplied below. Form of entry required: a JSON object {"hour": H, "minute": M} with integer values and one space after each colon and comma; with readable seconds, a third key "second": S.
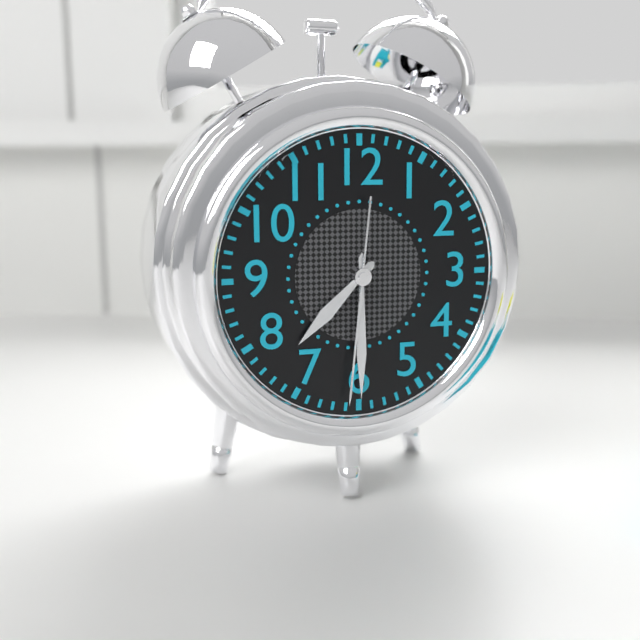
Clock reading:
{"hour": 7, "minute": 30, "second": 31}
